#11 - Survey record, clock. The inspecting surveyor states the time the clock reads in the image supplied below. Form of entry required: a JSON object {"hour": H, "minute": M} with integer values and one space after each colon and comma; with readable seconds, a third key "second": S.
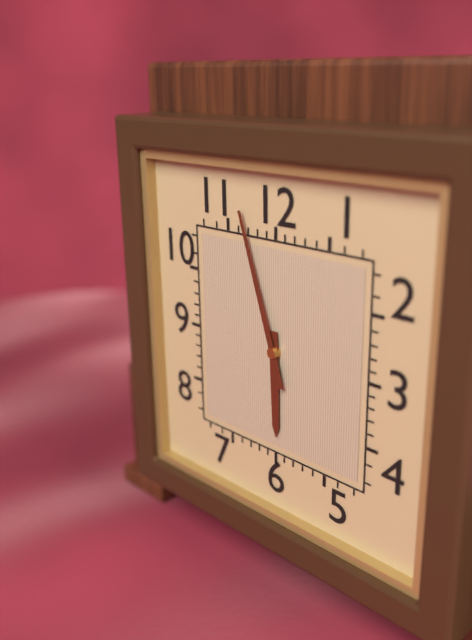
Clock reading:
{"hour": 5, "minute": 57}
